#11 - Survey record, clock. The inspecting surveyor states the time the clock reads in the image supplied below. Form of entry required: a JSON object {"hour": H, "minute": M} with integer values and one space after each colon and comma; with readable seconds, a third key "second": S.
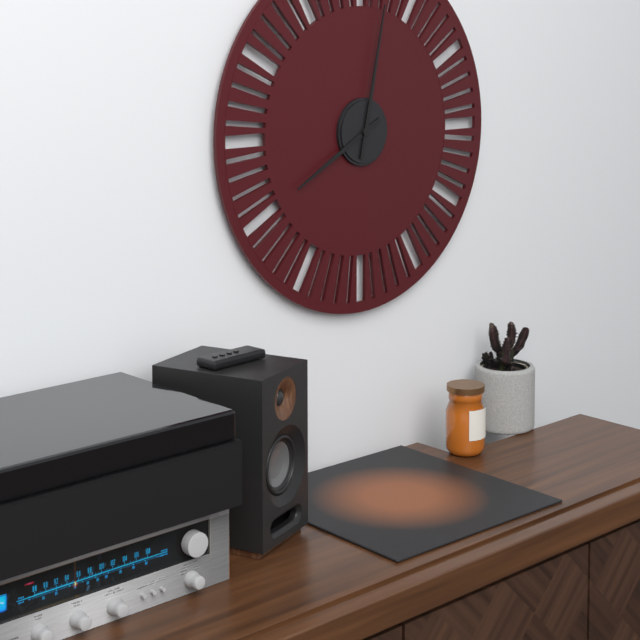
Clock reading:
{"hour": 8, "minute": 2}
